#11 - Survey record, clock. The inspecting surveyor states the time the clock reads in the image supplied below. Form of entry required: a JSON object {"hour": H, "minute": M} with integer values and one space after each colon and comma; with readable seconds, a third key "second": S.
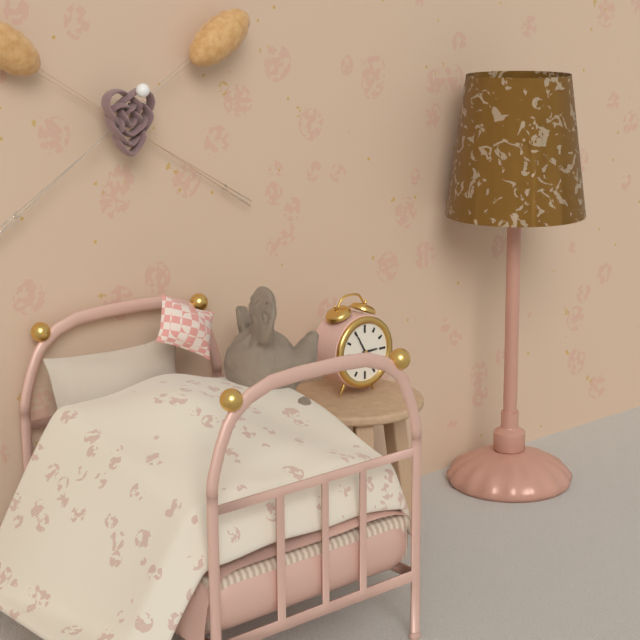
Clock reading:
{"hour": 2, "minute": 55}
